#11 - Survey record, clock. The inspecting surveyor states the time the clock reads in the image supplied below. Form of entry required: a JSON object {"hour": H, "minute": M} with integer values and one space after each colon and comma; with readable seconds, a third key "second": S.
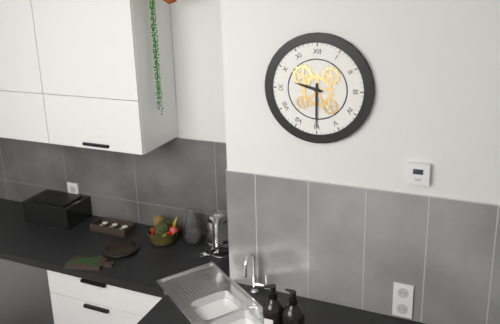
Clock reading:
{"hour": 9, "minute": 30}
